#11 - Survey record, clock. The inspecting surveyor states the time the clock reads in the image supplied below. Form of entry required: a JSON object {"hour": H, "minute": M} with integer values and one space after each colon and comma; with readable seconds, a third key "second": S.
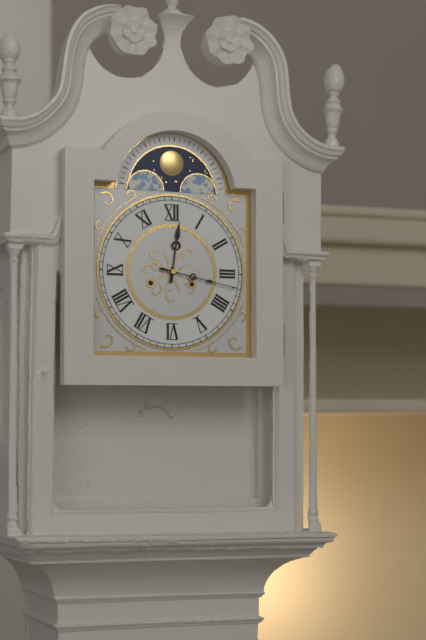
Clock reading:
{"hour": 12, "minute": 17}
